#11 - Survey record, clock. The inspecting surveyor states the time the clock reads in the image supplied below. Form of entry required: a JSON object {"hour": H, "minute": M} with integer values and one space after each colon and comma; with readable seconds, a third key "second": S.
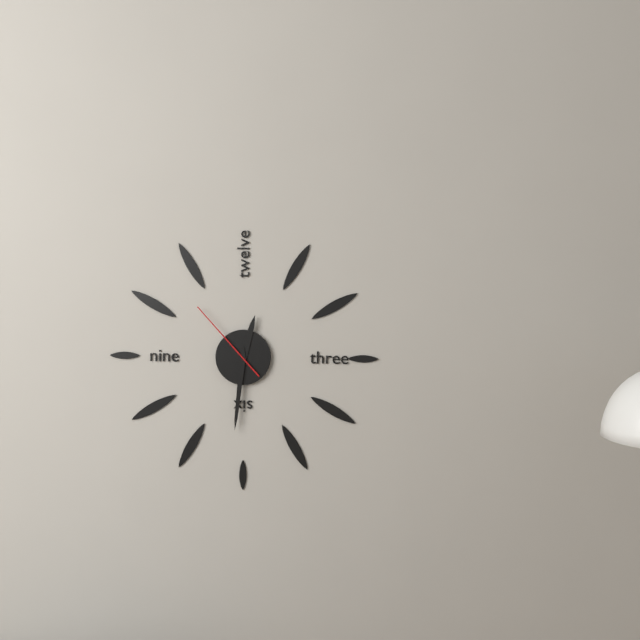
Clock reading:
{"hour": 12, "minute": 31, "second": 53}
